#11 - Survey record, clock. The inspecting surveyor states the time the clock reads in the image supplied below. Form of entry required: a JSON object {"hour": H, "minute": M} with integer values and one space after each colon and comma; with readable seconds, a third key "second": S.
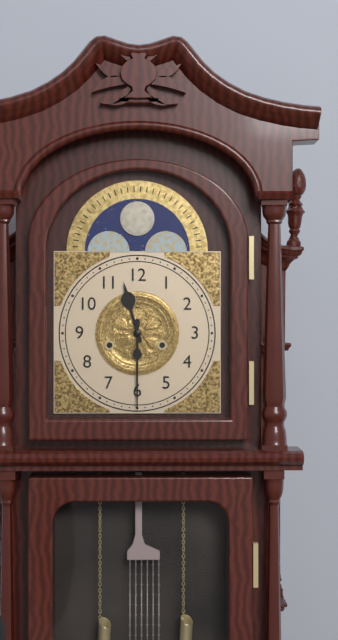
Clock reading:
{"hour": 11, "minute": 30}
